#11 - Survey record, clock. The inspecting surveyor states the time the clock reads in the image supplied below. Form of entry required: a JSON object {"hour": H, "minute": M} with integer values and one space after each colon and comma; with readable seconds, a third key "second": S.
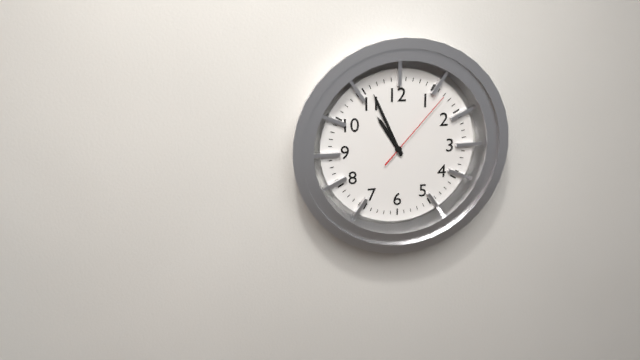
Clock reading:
{"hour": 10, "minute": 56, "second": 7}
